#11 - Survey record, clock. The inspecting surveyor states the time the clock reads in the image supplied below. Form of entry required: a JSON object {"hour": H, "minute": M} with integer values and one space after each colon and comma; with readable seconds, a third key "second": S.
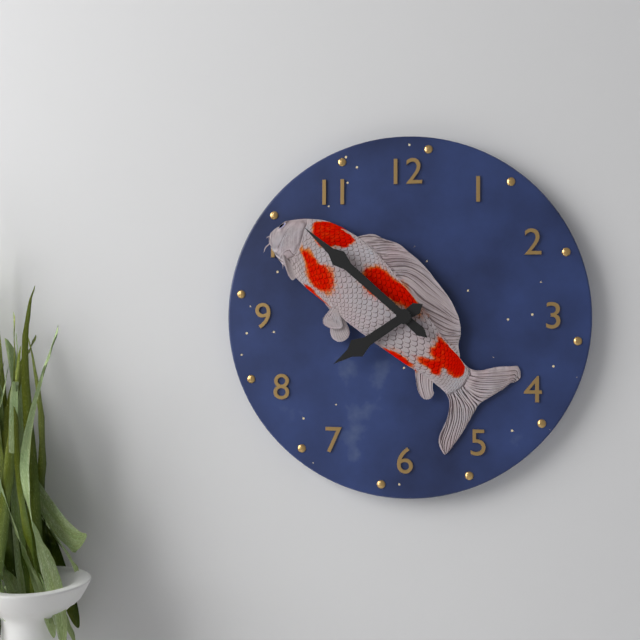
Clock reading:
{"hour": 7, "minute": 52}
